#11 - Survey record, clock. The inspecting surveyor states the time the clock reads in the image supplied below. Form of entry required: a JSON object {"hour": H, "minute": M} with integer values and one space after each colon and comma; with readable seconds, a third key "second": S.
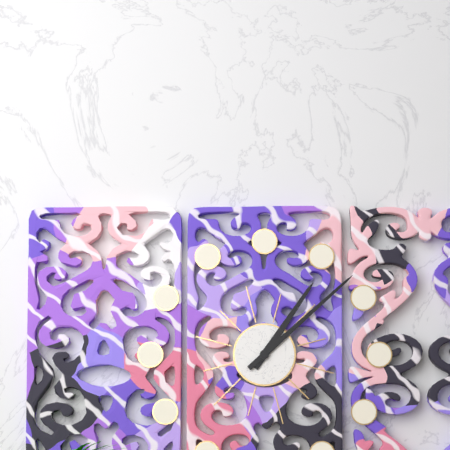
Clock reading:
{"hour": 1, "minute": 8}
